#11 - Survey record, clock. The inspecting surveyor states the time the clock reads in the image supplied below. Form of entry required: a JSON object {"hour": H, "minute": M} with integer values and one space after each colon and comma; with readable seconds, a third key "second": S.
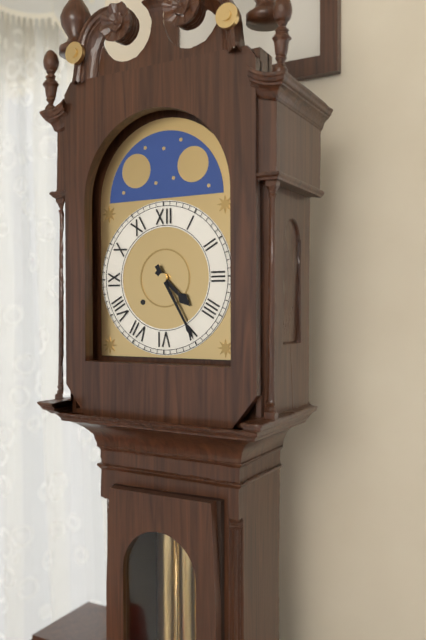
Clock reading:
{"hour": 4, "minute": 25}
